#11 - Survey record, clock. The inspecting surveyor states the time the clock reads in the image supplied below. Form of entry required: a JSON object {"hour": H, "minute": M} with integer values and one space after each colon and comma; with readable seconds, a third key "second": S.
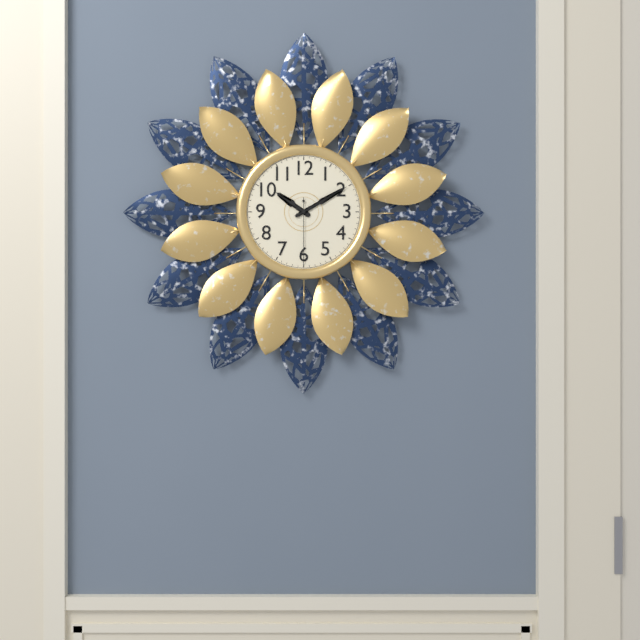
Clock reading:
{"hour": 10, "minute": 10, "second": 30}
